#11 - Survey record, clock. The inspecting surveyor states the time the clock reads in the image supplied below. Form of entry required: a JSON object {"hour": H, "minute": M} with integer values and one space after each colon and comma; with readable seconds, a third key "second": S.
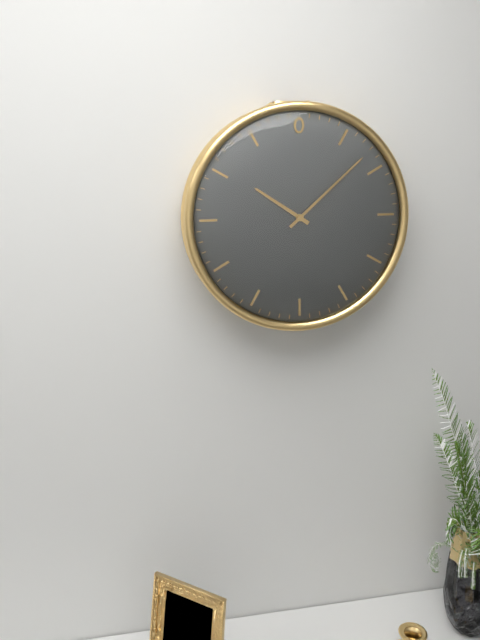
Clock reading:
{"hour": 10, "minute": 8}
